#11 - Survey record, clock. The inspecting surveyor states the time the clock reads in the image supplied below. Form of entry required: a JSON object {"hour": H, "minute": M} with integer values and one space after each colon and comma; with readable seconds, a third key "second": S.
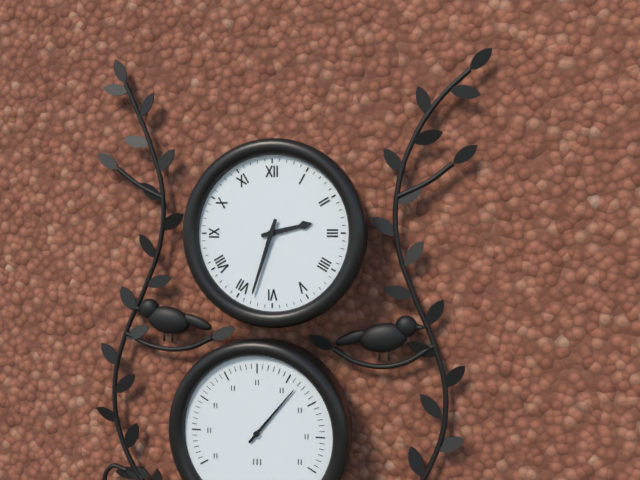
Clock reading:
{"hour": 2, "minute": 33}
